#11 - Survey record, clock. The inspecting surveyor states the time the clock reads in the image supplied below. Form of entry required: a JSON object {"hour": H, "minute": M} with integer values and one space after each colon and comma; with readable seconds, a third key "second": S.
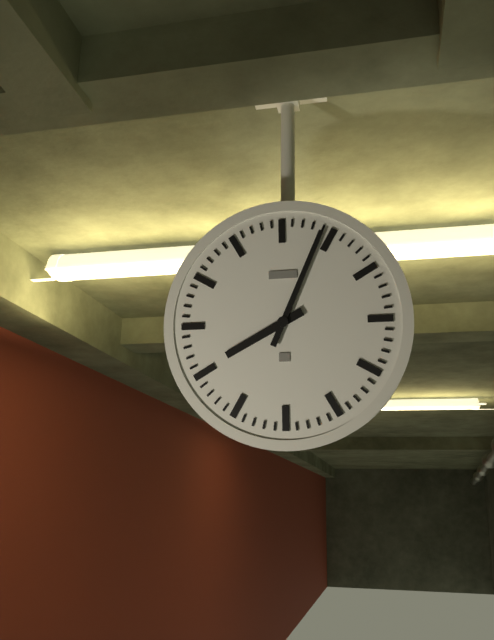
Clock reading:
{"hour": 8, "minute": 4}
